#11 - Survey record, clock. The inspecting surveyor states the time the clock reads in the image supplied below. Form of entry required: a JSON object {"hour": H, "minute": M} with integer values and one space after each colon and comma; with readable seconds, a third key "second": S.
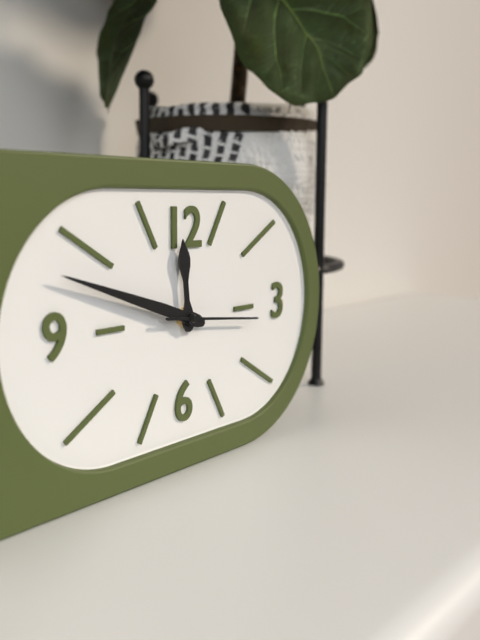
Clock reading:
{"hour": 11, "minute": 48, "second": 16}
